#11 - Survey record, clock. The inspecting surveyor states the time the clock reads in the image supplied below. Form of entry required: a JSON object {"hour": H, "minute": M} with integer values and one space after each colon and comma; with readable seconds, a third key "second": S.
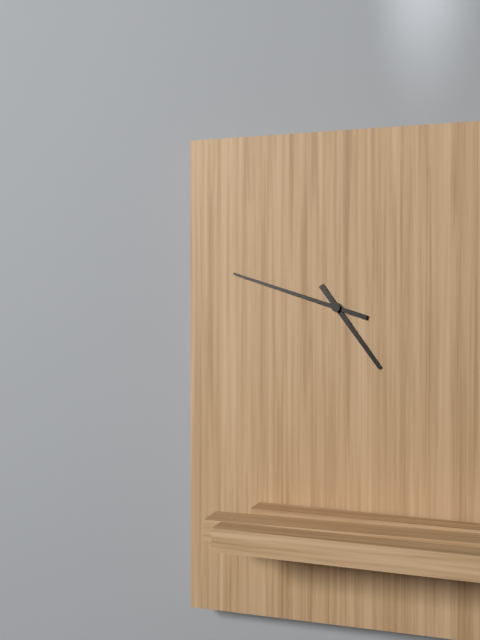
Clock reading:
{"hour": 4, "minute": 48}
